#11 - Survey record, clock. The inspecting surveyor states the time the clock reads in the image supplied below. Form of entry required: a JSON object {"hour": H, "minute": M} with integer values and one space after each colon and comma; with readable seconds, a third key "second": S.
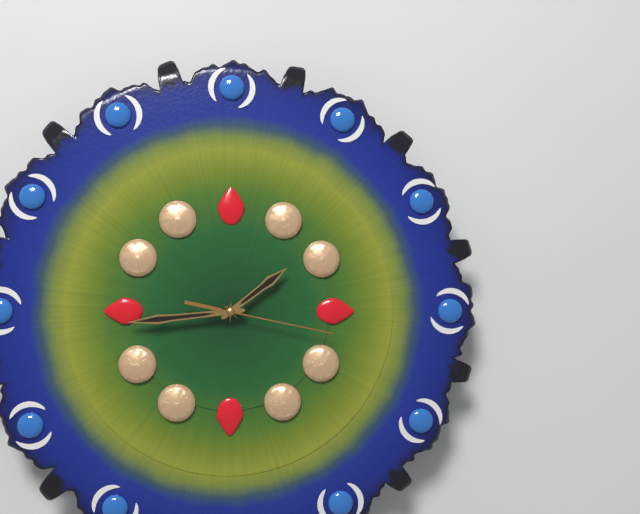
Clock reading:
{"hour": 1, "minute": 44, "second": 17}
